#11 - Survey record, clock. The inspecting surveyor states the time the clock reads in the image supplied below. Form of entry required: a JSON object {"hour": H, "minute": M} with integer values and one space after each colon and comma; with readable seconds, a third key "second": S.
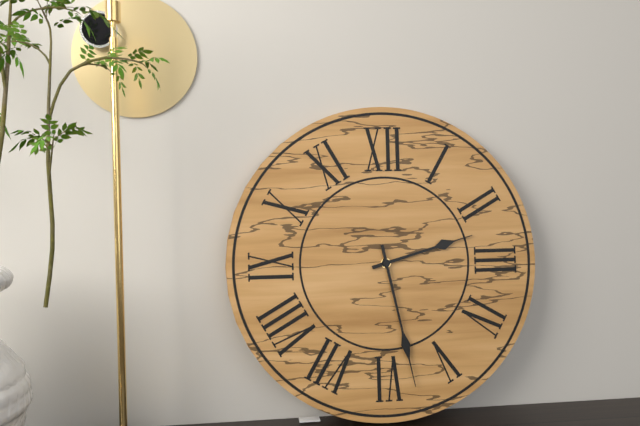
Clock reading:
{"hour": 2, "minute": 28}
